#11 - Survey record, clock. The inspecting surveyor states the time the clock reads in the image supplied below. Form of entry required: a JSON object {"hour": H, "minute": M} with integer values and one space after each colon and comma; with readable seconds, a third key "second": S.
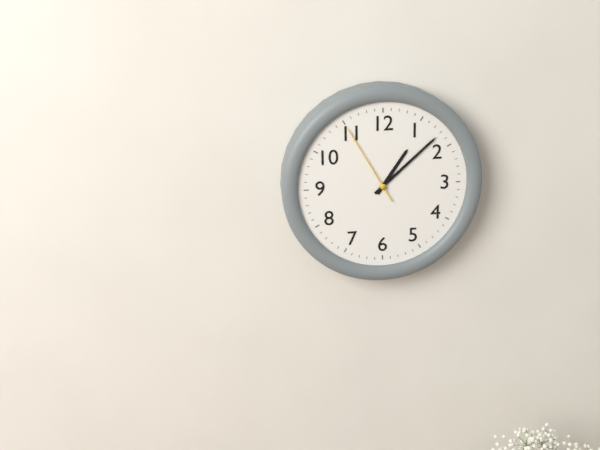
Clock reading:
{"hour": 1, "minute": 8, "second": 55}
